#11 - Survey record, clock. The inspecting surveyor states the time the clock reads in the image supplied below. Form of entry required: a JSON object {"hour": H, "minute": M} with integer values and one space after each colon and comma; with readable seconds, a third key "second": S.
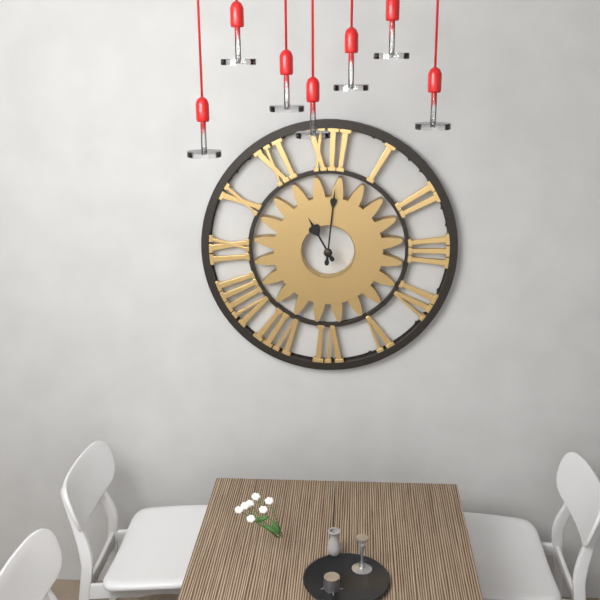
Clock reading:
{"hour": 11, "minute": 1}
